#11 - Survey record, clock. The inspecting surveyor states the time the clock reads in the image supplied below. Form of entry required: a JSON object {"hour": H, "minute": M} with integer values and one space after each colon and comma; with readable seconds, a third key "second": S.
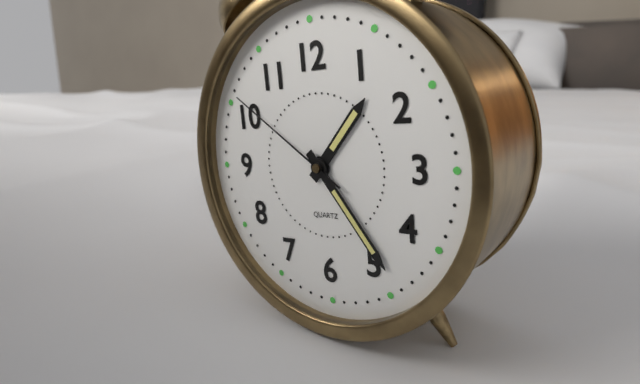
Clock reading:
{"hour": 1, "minute": 24, "second": 51}
